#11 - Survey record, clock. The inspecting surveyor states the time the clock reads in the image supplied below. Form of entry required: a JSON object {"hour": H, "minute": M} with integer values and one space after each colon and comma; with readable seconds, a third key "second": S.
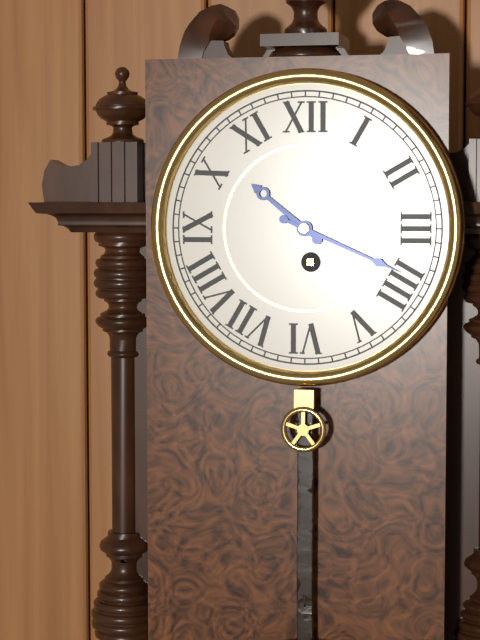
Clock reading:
{"hour": 10, "minute": 19}
